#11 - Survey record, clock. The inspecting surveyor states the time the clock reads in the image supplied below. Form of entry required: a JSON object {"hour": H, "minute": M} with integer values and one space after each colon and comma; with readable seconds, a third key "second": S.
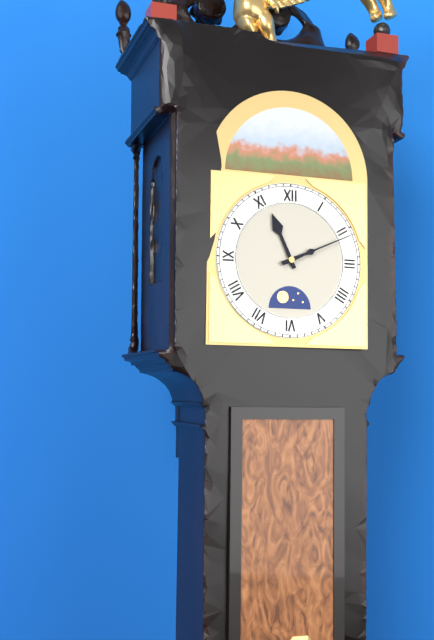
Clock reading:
{"hour": 11, "minute": 11}
